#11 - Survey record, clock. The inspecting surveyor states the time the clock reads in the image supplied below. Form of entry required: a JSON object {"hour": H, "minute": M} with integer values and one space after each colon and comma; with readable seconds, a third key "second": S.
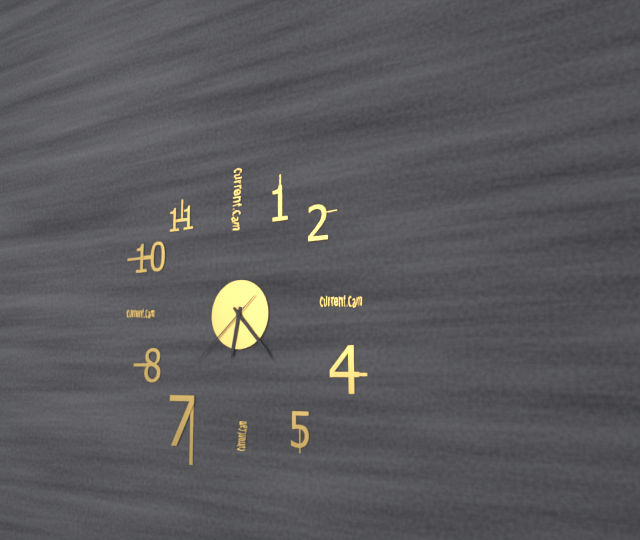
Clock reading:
{"hour": 6, "minute": 23, "second": 38}
